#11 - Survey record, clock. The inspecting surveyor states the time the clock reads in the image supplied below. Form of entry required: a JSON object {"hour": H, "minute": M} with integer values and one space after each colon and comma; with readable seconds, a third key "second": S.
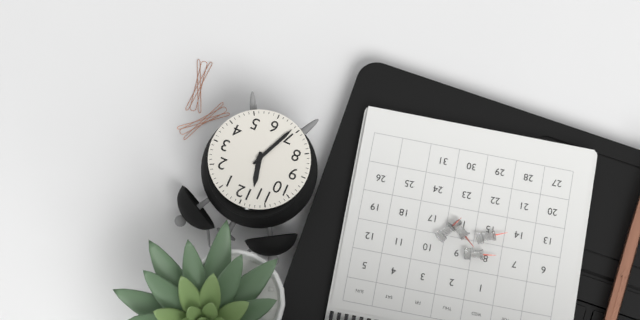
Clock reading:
{"hour": 11, "minute": 34}
